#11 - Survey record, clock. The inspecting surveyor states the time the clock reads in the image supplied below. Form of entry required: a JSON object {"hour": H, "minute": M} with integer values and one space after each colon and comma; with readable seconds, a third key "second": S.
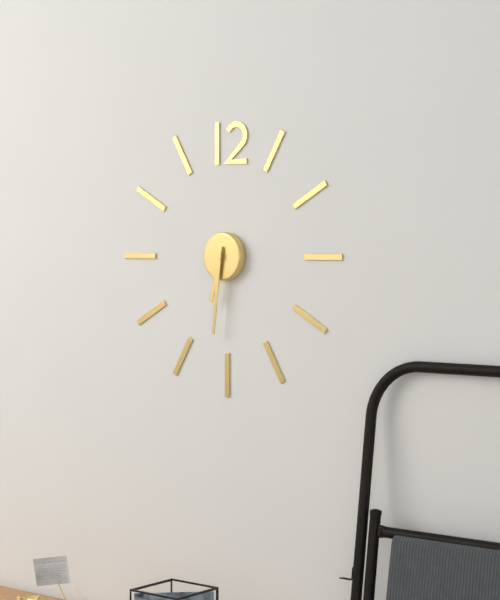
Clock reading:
{"hour": 6, "minute": 31}
